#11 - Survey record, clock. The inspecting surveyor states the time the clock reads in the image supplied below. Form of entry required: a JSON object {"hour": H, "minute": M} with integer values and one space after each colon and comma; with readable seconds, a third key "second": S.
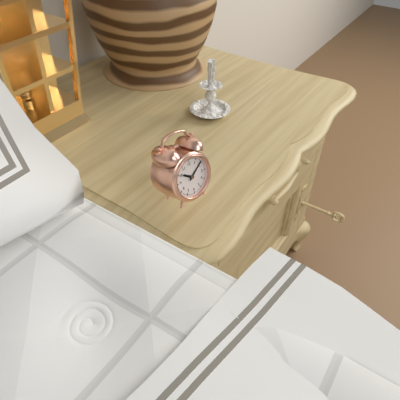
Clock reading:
{"hour": 10, "minute": 9}
